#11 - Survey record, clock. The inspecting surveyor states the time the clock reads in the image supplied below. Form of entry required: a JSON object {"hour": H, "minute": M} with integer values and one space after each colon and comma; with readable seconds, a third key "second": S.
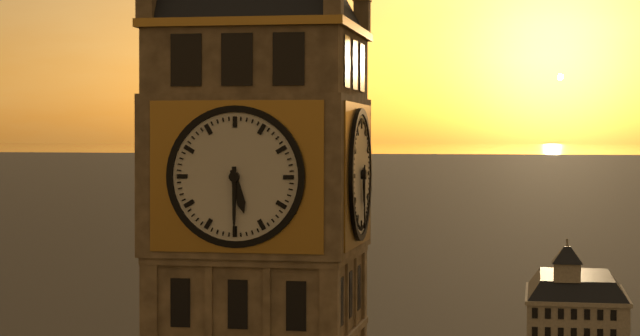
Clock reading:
{"hour": 5, "minute": 30}
